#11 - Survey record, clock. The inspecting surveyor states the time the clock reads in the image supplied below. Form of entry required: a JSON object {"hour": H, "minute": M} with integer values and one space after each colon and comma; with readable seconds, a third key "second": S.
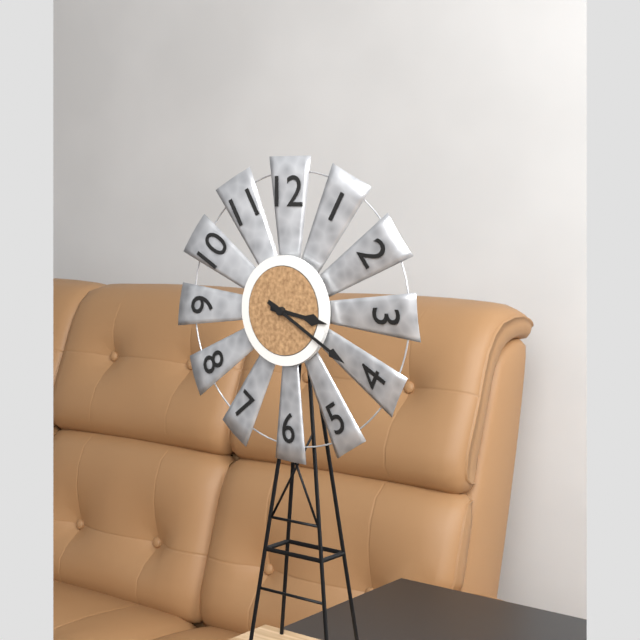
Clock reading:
{"hour": 3, "minute": 20}
